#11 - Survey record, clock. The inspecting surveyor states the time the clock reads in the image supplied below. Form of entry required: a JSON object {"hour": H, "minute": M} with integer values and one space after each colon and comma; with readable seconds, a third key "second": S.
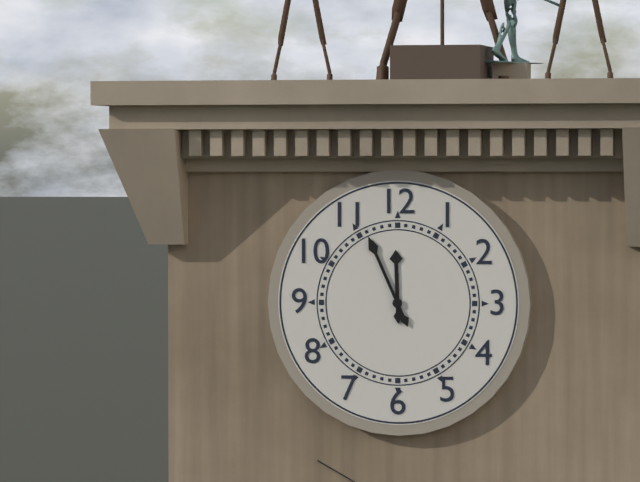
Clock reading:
{"hour": 11, "minute": 56}
